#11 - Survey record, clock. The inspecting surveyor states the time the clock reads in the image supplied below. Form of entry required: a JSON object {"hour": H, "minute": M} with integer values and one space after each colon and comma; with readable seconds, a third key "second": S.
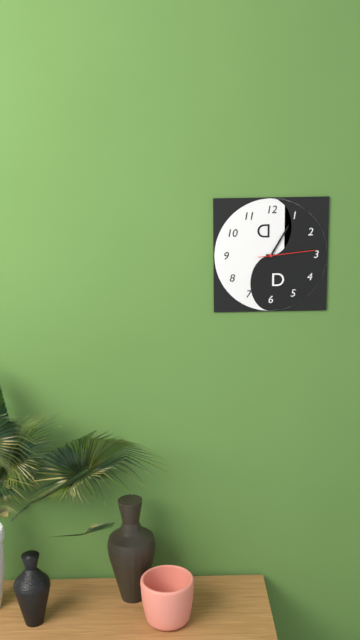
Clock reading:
{"hour": 3, "minute": 5, "second": 14}
